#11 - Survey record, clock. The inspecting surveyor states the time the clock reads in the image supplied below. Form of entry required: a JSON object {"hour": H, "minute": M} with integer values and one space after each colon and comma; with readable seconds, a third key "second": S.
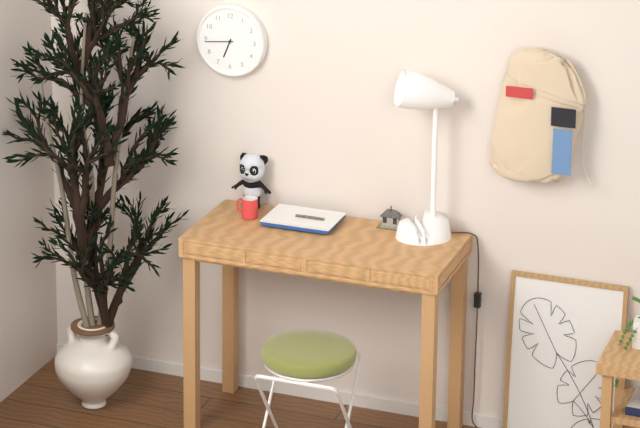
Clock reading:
{"hour": 6, "minute": 44}
